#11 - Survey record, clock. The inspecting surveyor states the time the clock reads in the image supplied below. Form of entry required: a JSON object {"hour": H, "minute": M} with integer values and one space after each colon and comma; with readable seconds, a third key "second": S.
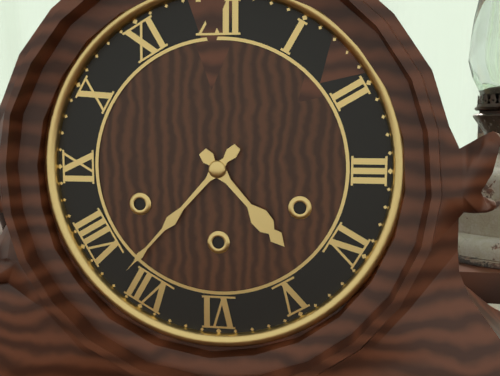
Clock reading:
{"hour": 4, "minute": 37}
